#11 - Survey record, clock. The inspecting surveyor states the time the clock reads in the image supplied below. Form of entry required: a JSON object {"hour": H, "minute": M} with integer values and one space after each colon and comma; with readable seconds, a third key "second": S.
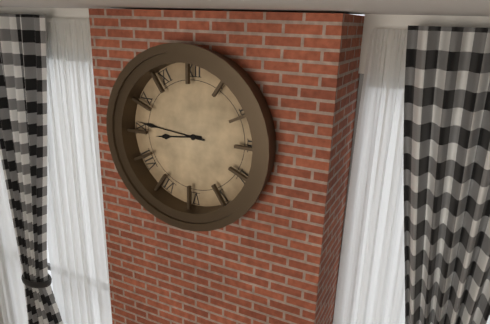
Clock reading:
{"hour": 8, "minute": 46}
